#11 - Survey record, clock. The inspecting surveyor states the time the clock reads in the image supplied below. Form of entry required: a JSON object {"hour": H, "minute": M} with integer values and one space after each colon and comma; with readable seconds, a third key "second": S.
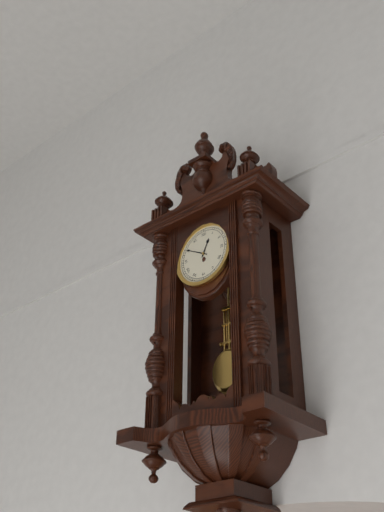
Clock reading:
{"hour": 12, "minute": 50}
